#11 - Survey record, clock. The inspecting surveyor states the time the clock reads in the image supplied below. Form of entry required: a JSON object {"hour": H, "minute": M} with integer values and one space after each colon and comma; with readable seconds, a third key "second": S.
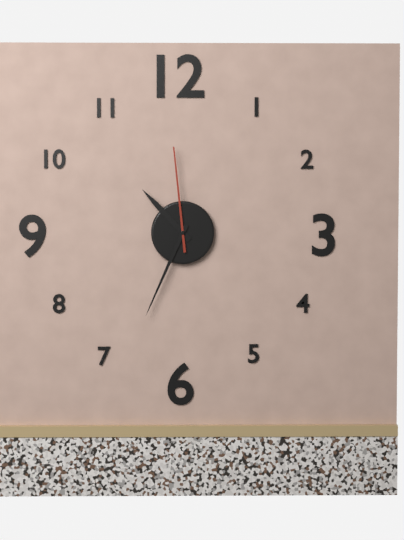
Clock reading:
{"hour": 10, "minute": 34, "second": 59}
